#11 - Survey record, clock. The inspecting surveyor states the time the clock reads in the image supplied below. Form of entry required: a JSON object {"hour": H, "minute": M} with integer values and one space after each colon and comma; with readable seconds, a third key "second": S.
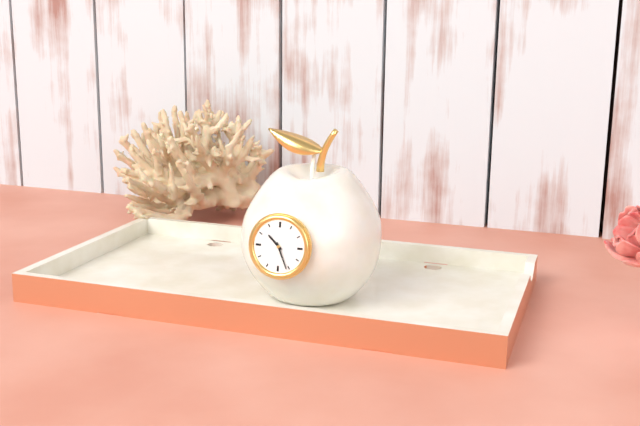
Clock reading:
{"hour": 10, "minute": 26}
